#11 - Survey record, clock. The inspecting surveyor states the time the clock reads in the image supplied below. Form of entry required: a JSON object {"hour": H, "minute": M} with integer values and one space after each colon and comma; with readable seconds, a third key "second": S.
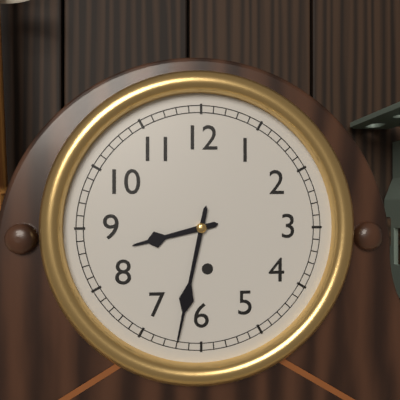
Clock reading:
{"hour": 8, "minute": 32}
